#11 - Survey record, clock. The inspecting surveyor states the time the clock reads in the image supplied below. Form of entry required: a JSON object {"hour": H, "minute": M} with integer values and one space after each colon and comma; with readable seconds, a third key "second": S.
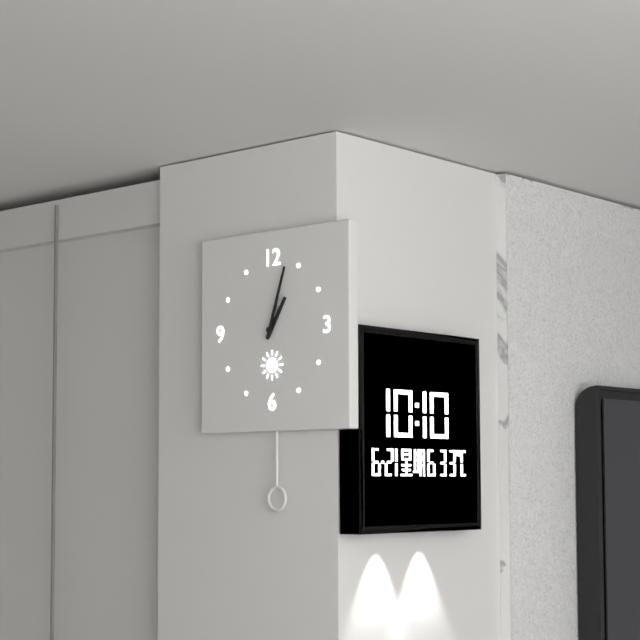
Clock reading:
{"hour": 1, "minute": 3}
